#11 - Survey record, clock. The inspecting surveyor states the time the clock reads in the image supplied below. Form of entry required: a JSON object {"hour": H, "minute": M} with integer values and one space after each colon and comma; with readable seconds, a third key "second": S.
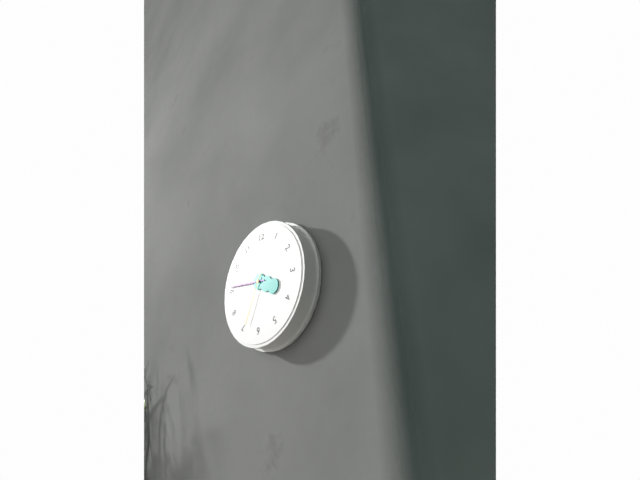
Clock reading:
{"hour": 3, "minute": 46, "second": 34}
